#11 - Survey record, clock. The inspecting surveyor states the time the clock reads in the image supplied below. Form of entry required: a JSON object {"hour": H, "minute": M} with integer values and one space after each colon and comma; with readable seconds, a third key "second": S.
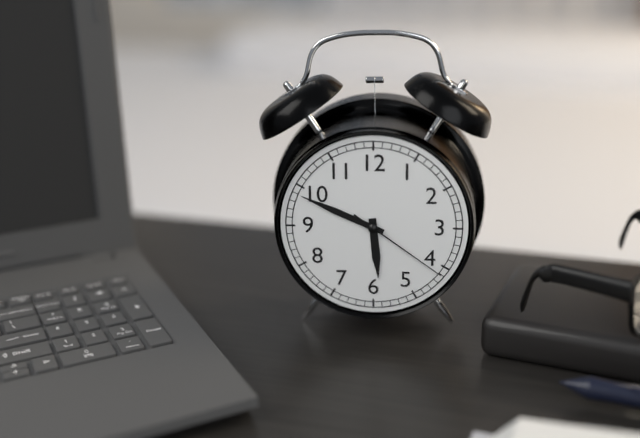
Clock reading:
{"hour": 5, "minute": 49, "second": 21}
